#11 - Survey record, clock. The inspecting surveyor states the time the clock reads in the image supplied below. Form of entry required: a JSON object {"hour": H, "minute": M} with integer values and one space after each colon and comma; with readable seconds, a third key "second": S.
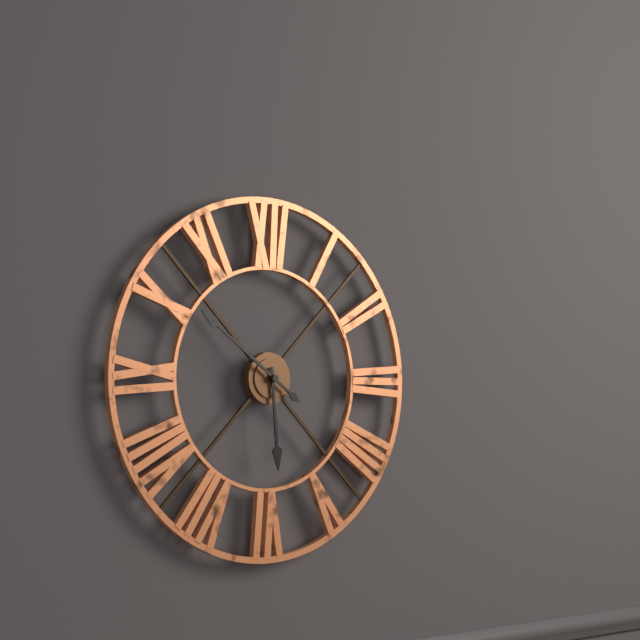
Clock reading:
{"hour": 5, "minute": 51}
